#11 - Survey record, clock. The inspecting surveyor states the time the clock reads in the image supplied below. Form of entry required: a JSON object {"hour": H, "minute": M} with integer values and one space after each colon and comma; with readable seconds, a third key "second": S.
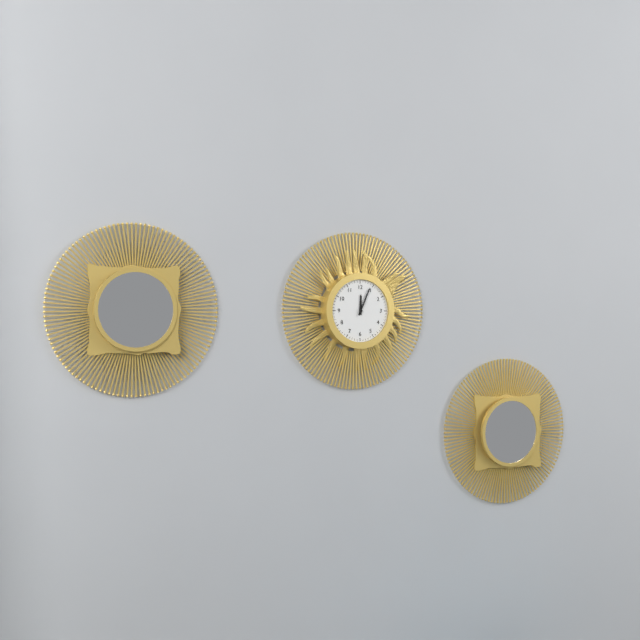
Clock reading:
{"hour": 12, "minute": 4}
